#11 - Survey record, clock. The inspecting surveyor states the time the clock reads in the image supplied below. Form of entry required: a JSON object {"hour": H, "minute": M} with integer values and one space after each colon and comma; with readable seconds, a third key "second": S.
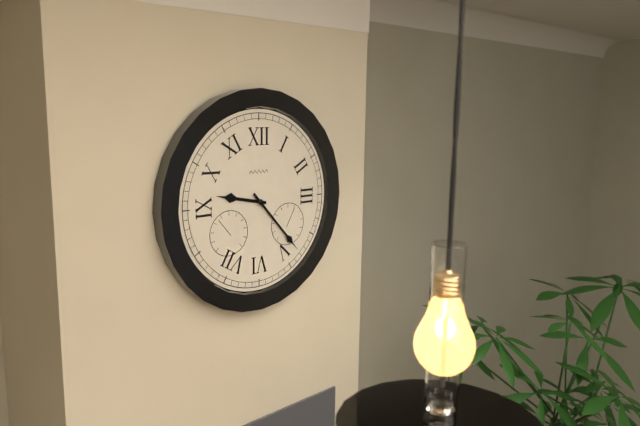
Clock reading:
{"hour": 9, "minute": 23}
